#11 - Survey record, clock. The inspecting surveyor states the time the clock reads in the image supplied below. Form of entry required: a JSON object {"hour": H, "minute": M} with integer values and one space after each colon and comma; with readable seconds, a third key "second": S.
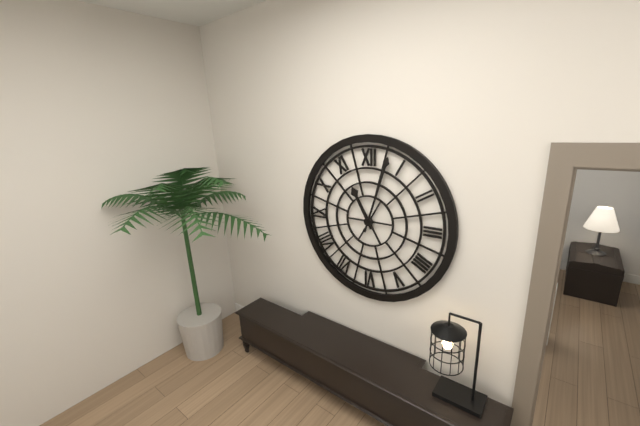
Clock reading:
{"hour": 11, "minute": 3}
